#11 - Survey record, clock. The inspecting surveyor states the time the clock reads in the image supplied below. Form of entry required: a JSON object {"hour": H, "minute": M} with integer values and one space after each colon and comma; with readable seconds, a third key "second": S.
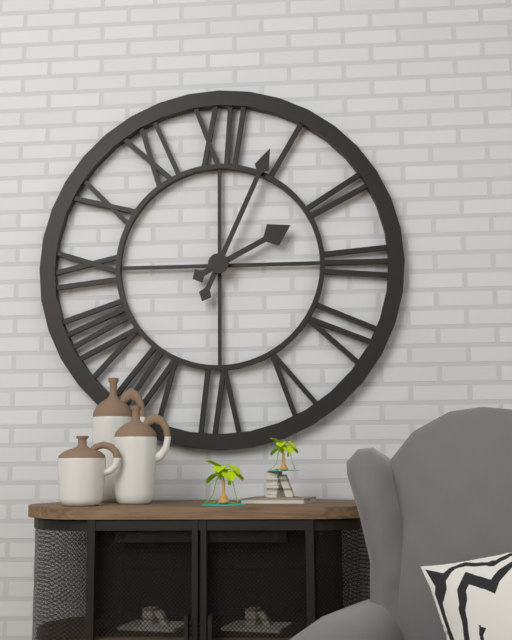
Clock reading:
{"hour": 2, "minute": 4}
